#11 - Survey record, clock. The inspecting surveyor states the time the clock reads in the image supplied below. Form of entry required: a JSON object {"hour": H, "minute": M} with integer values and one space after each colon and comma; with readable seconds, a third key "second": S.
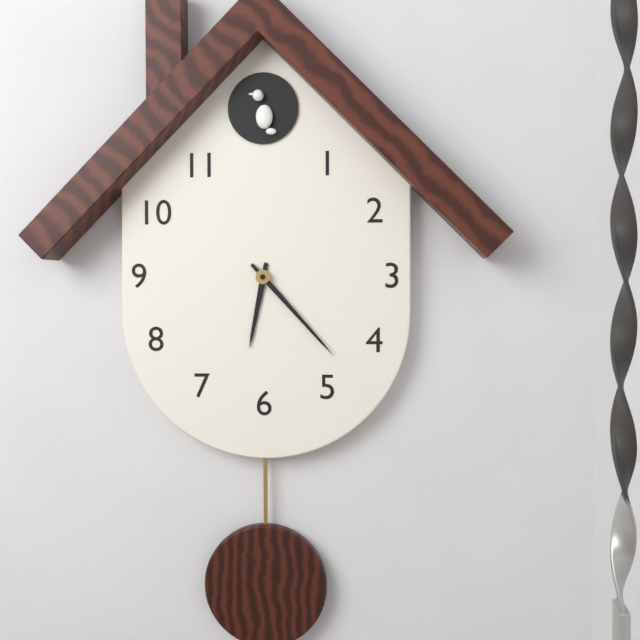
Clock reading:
{"hour": 6, "minute": 23}
